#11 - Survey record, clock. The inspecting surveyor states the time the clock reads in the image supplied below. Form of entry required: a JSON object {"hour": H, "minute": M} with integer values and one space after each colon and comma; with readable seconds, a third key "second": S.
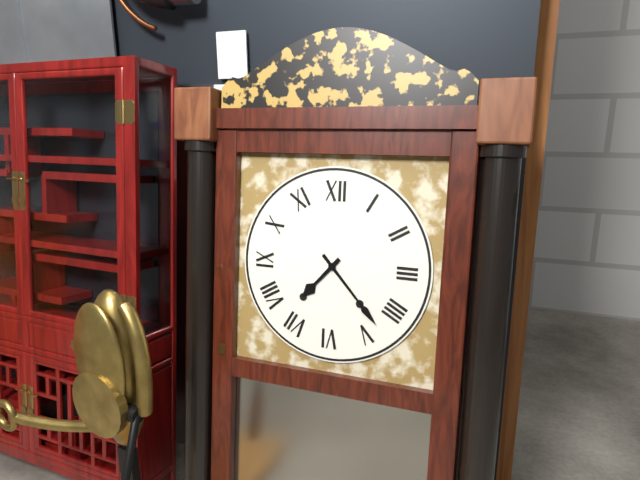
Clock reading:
{"hour": 7, "minute": 23}
